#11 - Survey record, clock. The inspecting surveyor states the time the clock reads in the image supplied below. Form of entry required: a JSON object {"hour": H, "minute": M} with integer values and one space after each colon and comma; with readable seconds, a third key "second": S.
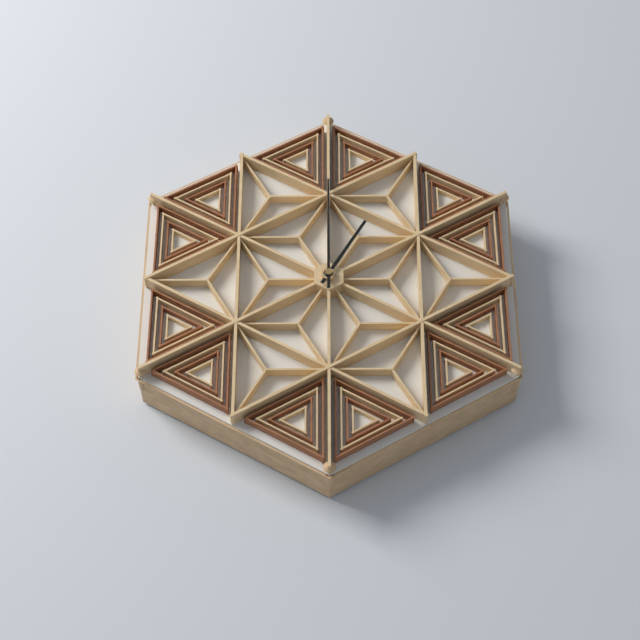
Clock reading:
{"hour": 1, "minute": 0}
